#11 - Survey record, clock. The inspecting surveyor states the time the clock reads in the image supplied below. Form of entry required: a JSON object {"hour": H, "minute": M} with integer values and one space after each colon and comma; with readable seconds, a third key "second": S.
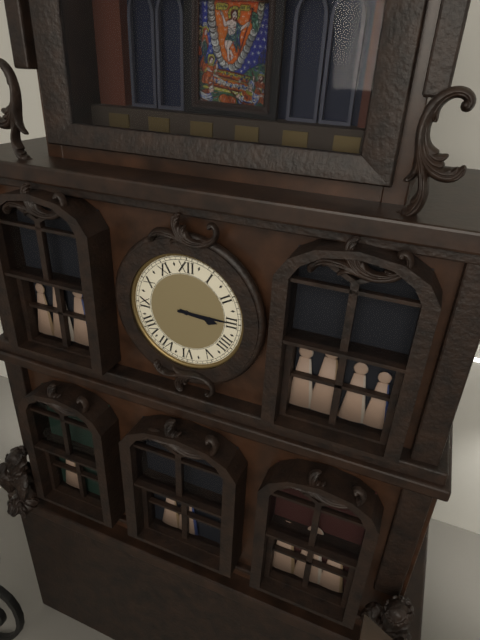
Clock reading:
{"hour": 3, "minute": 15}
